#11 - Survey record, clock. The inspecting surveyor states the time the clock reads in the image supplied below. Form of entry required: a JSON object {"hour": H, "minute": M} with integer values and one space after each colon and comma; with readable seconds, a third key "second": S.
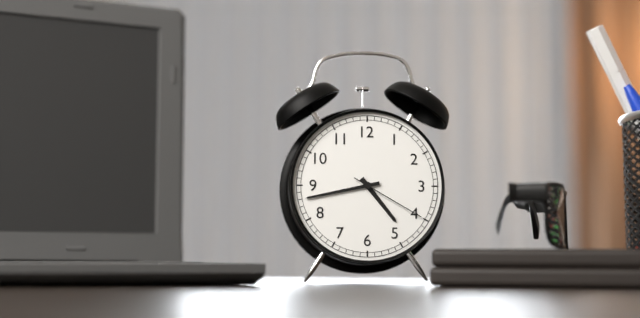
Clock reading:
{"hour": 4, "minute": 43, "second": 20}
